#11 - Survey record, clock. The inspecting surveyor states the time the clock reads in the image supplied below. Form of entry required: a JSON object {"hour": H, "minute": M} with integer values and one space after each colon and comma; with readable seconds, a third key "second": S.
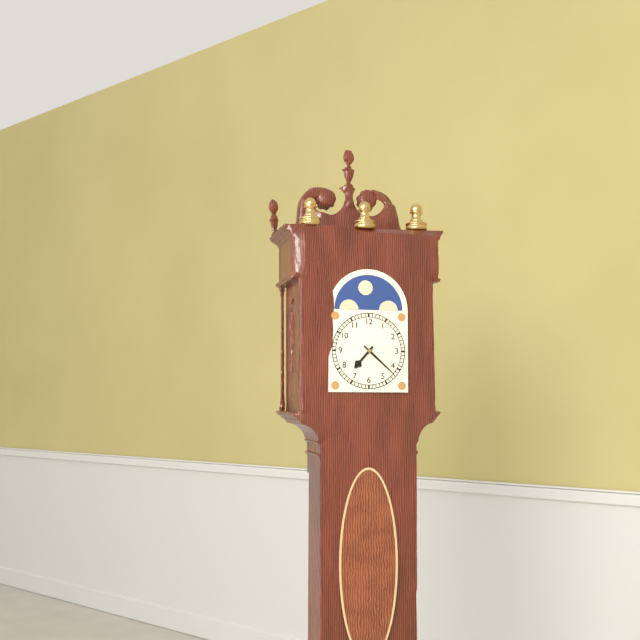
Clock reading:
{"hour": 7, "minute": 22}
